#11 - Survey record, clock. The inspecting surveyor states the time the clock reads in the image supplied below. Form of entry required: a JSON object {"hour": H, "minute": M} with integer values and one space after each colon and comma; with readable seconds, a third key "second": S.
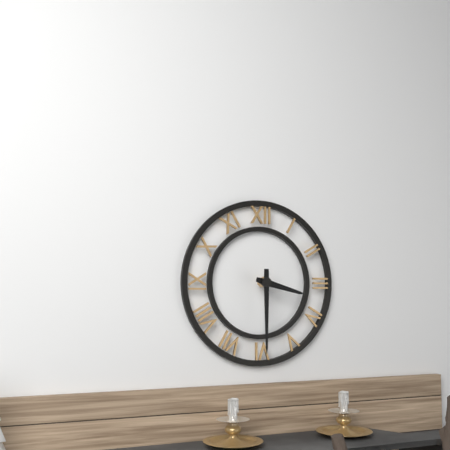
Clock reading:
{"hour": 3, "minute": 30}
